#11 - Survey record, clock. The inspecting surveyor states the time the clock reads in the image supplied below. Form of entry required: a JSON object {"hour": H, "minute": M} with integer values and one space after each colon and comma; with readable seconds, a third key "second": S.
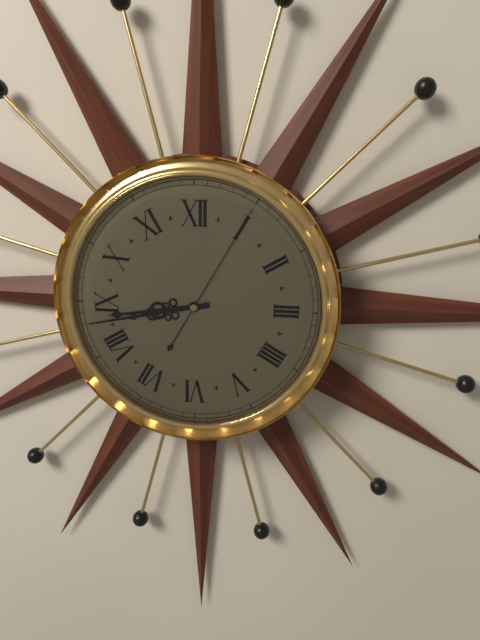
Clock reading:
{"hour": 8, "minute": 43, "second": 5}
